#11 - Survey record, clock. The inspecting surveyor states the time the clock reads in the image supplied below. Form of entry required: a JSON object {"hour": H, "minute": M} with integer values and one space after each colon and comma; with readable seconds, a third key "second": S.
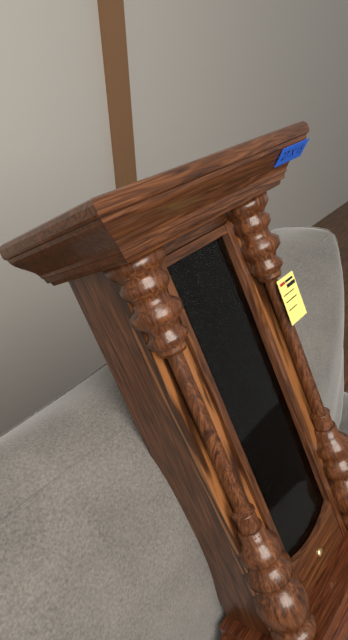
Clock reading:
{"hour": 4, "minute": 11}
